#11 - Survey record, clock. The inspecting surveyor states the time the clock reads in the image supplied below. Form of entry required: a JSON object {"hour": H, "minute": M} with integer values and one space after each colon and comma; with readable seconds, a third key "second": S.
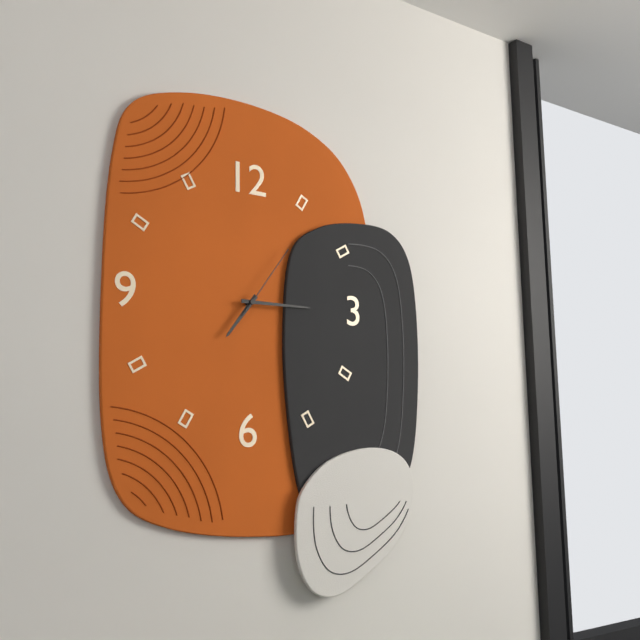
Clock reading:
{"hour": 7, "minute": 15, "second": 6}
